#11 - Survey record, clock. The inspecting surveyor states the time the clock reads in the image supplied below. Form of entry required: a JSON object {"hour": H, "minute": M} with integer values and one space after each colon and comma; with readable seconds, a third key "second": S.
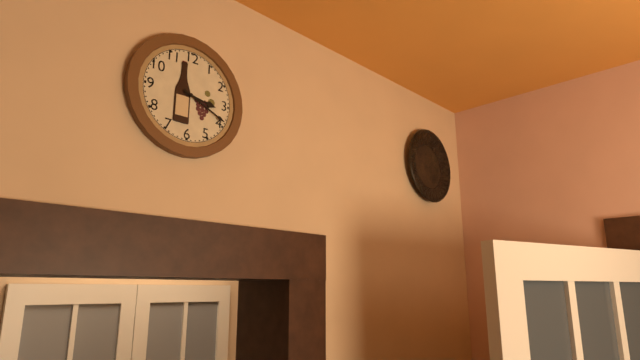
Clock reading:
{"hour": 3, "minute": 19}
